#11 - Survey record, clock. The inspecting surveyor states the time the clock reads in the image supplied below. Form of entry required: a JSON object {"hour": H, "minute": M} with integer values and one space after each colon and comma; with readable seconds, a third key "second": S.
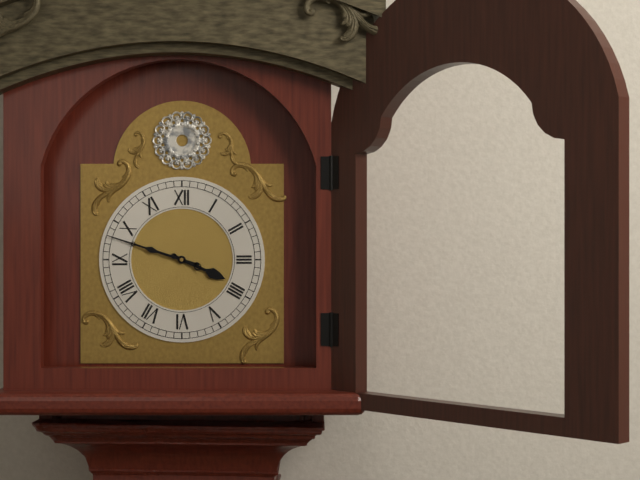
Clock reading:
{"hour": 3, "minute": 48}
